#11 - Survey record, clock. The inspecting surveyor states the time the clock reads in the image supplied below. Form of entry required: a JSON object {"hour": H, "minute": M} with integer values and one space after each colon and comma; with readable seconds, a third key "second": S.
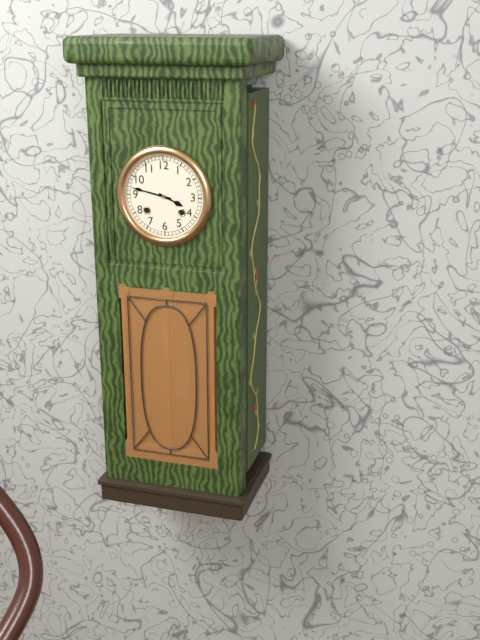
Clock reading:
{"hour": 3, "minute": 47}
